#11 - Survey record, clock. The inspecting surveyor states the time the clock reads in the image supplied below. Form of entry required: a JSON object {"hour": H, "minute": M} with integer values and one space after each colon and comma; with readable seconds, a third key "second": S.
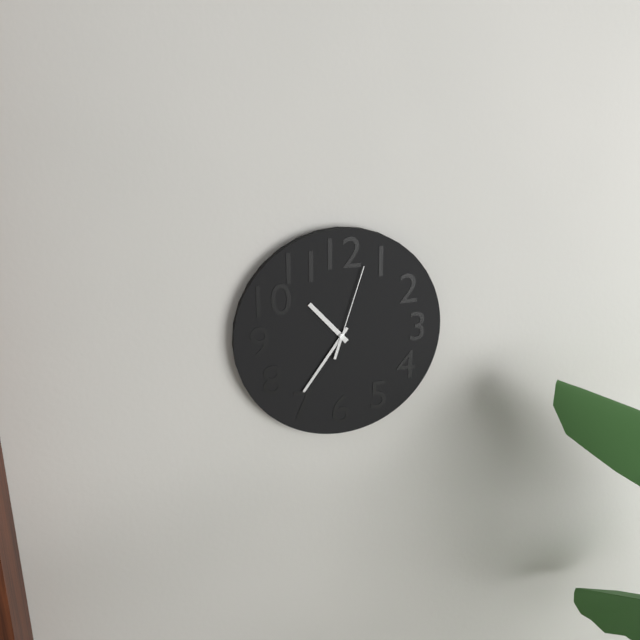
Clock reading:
{"hour": 10, "minute": 36, "second": 3}
